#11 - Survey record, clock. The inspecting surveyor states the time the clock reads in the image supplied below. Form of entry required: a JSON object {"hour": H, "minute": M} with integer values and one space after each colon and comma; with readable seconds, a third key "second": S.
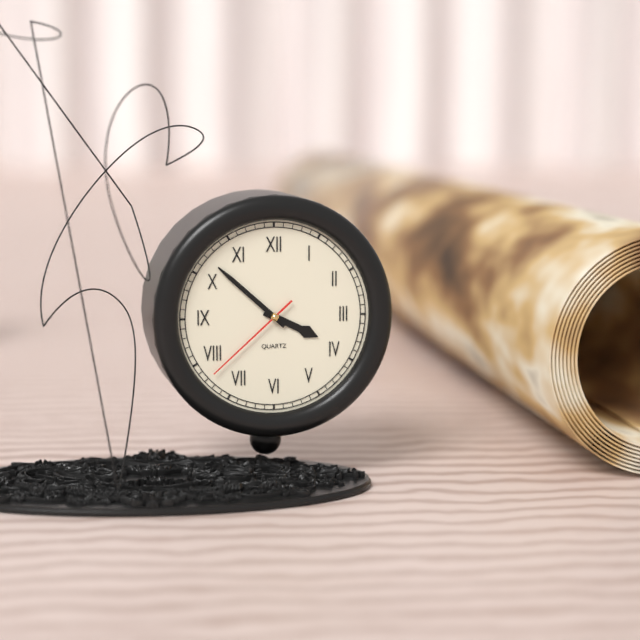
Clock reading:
{"hour": 3, "minute": 52, "second": 38}
